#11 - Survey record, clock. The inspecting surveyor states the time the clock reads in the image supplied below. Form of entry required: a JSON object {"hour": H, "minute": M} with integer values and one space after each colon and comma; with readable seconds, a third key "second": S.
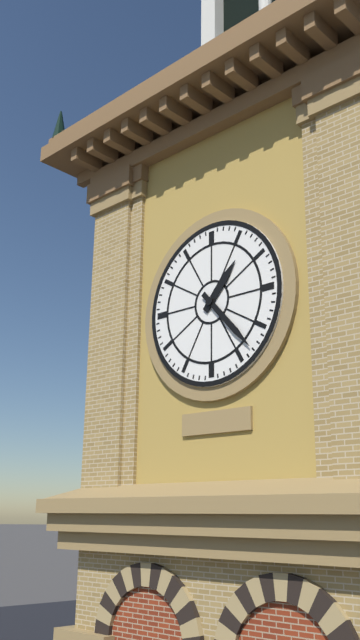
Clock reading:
{"hour": 1, "minute": 23}
